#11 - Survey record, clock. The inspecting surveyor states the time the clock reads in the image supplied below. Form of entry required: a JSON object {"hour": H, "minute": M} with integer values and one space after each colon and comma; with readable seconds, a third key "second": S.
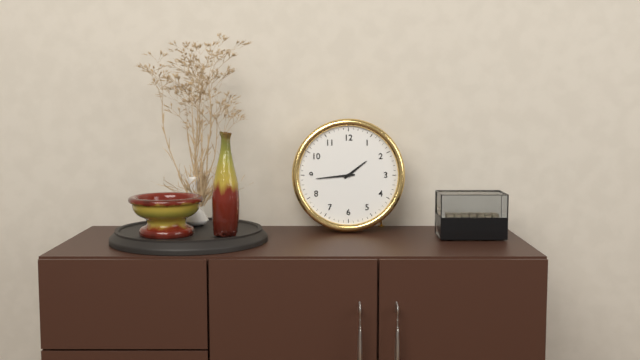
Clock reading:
{"hour": 1, "minute": 44}
